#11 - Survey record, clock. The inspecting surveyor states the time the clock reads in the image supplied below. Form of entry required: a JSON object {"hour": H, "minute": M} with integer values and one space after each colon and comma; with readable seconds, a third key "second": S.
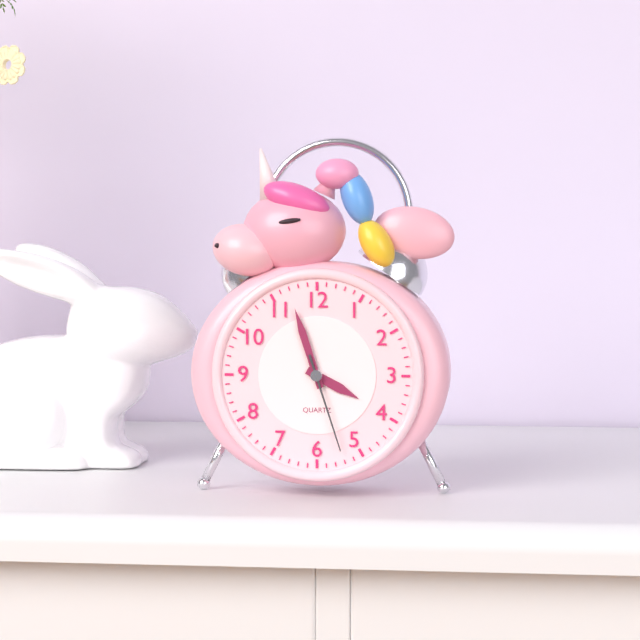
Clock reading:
{"hour": 3, "minute": 57, "second": 27}
